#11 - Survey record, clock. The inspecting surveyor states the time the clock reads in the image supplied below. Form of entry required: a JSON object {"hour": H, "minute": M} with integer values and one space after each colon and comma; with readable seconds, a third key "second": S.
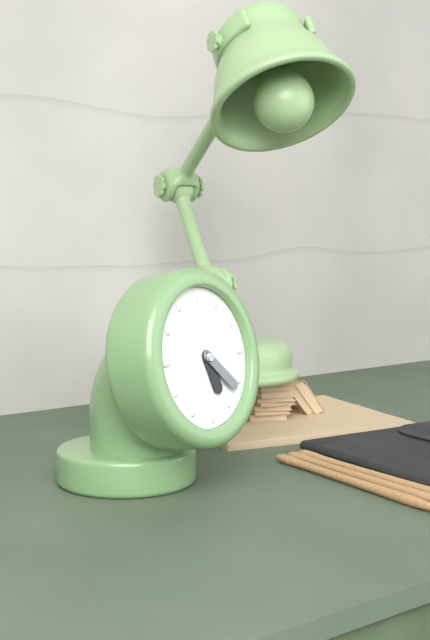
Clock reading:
{"hour": 5, "minute": 22}
